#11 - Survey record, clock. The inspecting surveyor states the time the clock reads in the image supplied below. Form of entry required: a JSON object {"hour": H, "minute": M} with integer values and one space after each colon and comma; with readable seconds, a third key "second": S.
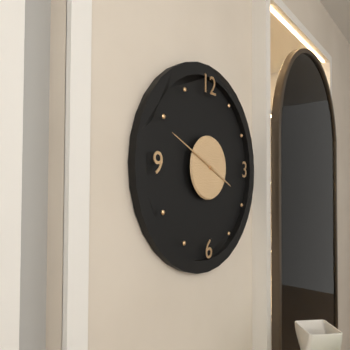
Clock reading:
{"hour": 3, "minute": 49}
